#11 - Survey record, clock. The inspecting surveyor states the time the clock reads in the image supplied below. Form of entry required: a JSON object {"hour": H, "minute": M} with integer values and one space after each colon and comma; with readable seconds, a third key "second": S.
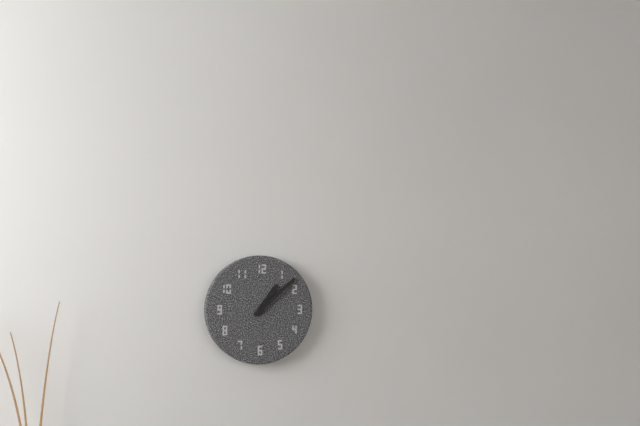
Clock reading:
{"hour": 1, "minute": 8}
